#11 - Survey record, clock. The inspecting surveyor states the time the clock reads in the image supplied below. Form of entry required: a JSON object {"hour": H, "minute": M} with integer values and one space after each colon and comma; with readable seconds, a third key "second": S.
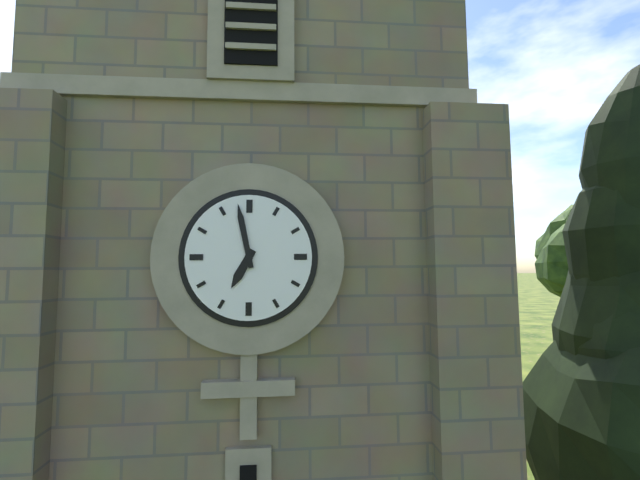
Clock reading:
{"hour": 6, "minute": 58}
